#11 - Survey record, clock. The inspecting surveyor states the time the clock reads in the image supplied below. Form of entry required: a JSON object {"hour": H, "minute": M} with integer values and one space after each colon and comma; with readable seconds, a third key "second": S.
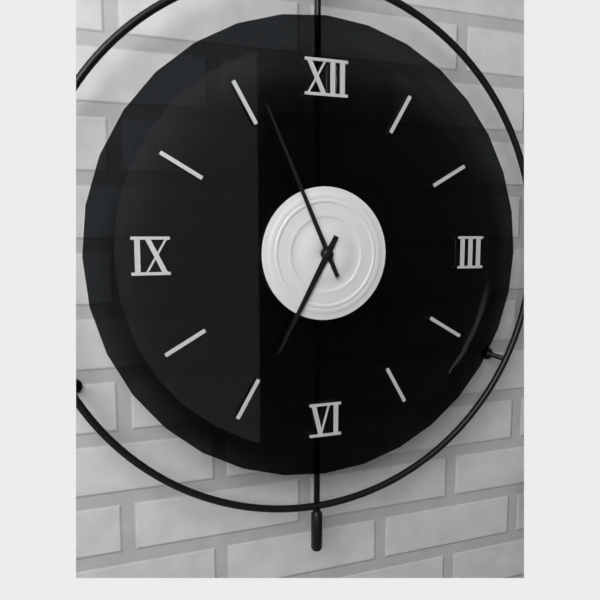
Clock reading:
{"hour": 6, "minute": 56}
